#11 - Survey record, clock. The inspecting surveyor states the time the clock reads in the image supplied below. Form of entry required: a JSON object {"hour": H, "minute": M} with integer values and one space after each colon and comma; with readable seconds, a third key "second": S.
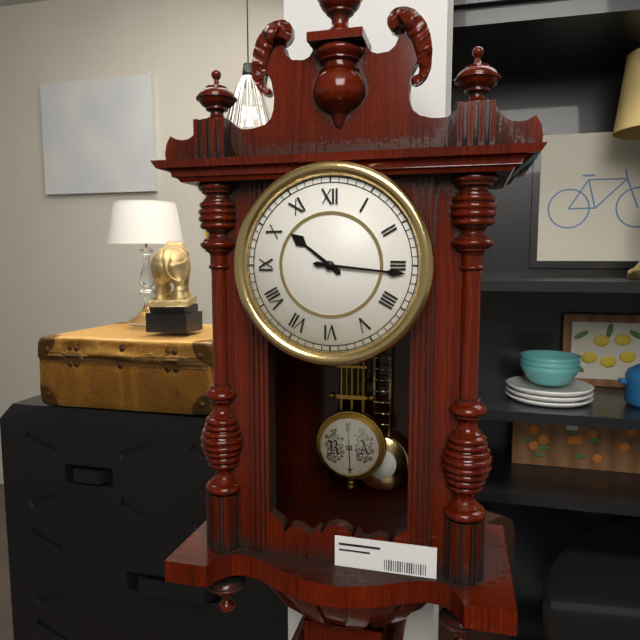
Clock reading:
{"hour": 10, "minute": 16}
